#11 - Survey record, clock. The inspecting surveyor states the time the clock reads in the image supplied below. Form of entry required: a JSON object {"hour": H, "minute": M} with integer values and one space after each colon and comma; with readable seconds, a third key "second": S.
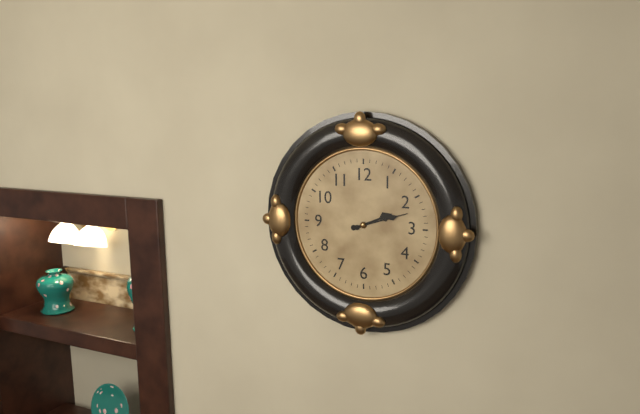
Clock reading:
{"hour": 2, "minute": 12}
